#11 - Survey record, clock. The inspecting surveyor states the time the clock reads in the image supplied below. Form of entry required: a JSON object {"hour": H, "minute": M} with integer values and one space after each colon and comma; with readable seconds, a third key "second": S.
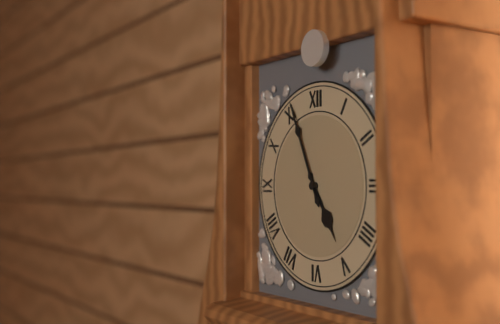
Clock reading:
{"hour": 4, "minute": 56}
